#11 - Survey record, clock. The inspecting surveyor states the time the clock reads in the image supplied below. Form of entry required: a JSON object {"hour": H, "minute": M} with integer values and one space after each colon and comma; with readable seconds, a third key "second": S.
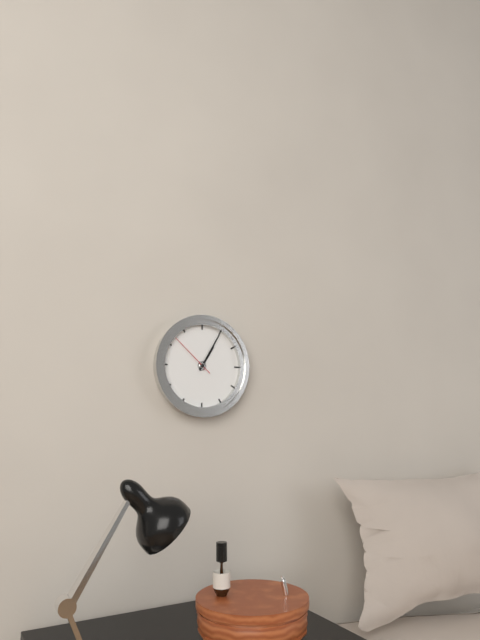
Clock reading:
{"hour": 1, "minute": 5}
